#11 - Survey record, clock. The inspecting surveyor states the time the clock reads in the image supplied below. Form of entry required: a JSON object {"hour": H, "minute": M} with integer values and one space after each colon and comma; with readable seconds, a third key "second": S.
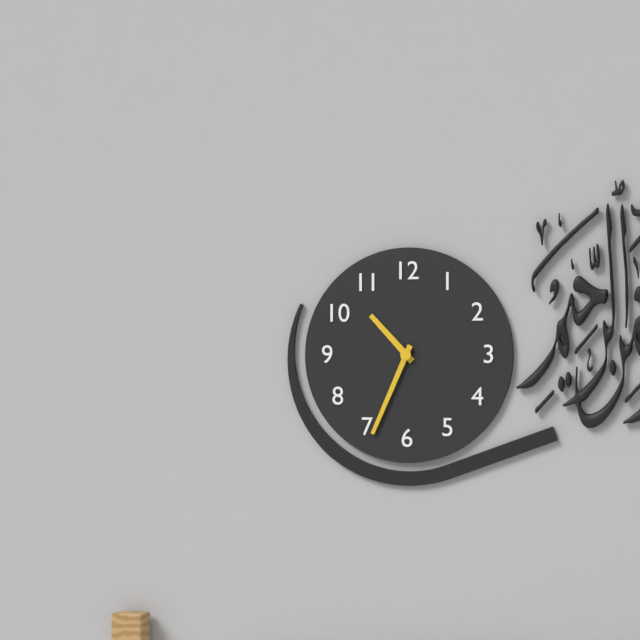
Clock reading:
{"hour": 10, "minute": 34}
